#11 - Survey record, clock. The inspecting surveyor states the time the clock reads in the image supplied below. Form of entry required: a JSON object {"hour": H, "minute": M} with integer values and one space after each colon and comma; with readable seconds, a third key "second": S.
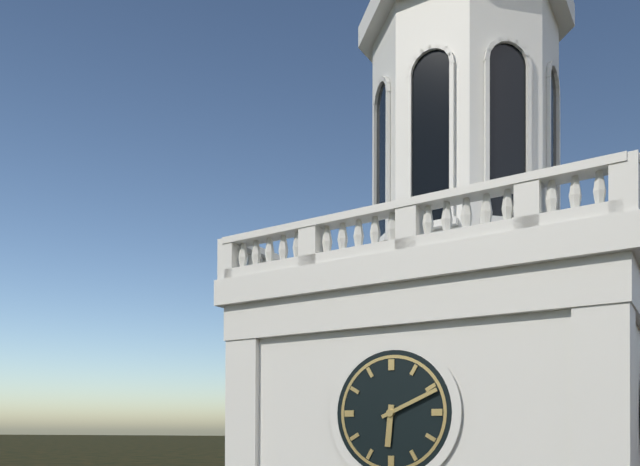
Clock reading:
{"hour": 6, "minute": 11}
